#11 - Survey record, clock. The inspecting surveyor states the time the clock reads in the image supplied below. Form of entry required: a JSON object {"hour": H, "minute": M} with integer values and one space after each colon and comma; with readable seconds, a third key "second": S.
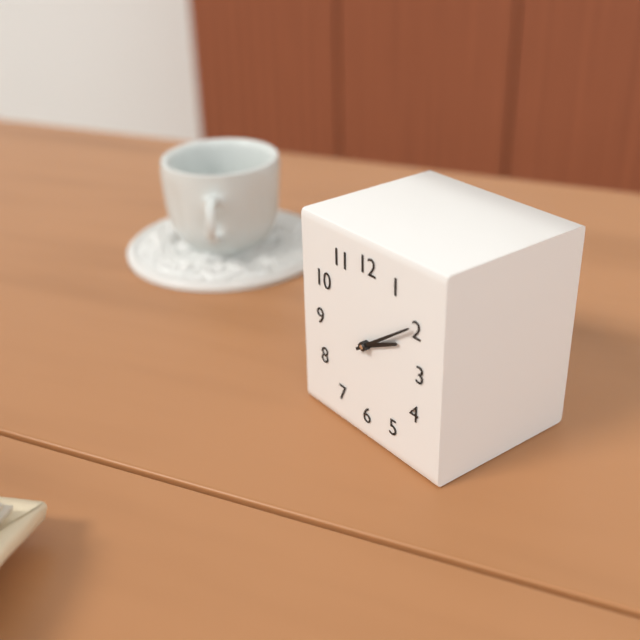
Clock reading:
{"hour": 2, "minute": 9}
